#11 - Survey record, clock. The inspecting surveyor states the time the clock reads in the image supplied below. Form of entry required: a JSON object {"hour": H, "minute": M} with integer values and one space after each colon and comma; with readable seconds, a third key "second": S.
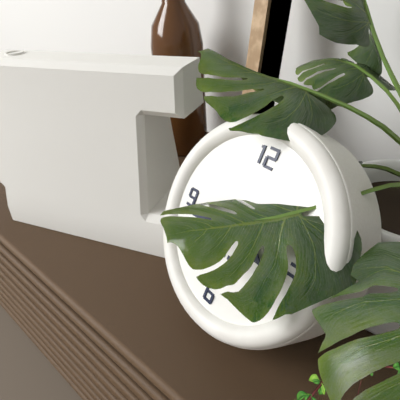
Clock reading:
{"hour": 3, "minute": 43}
